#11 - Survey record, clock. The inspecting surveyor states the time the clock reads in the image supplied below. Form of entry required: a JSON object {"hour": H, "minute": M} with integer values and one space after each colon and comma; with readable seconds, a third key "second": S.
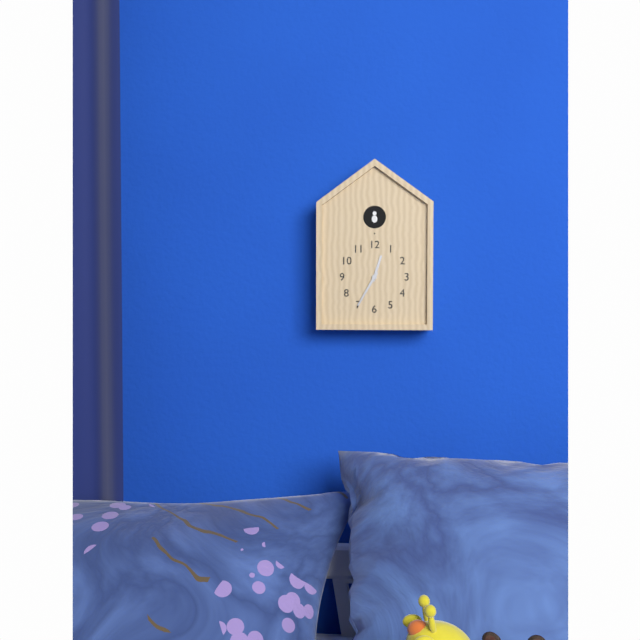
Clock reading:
{"hour": 12, "minute": 35}
